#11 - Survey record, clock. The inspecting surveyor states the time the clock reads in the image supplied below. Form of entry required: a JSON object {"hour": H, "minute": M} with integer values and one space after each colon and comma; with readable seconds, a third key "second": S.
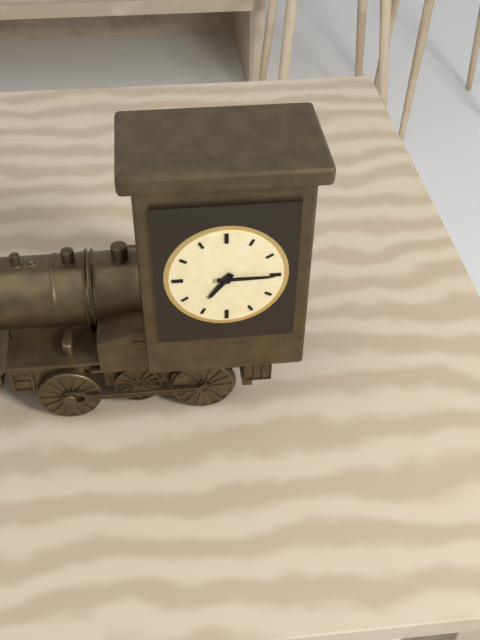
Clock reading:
{"hour": 7, "minute": 15}
